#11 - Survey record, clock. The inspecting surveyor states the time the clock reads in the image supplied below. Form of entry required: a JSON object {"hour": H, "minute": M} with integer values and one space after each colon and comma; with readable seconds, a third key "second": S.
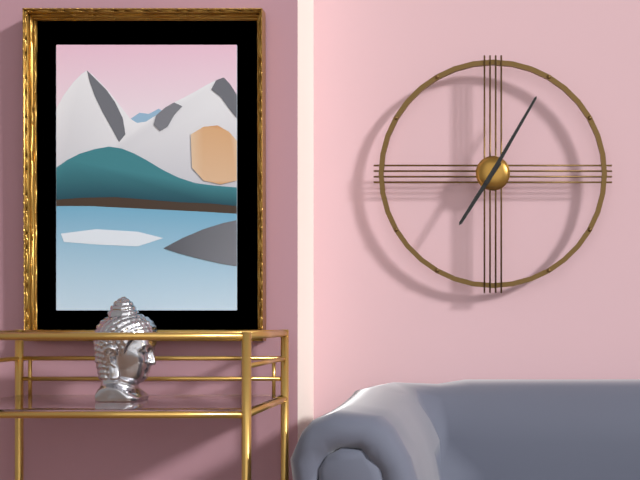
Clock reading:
{"hour": 7, "minute": 5}
